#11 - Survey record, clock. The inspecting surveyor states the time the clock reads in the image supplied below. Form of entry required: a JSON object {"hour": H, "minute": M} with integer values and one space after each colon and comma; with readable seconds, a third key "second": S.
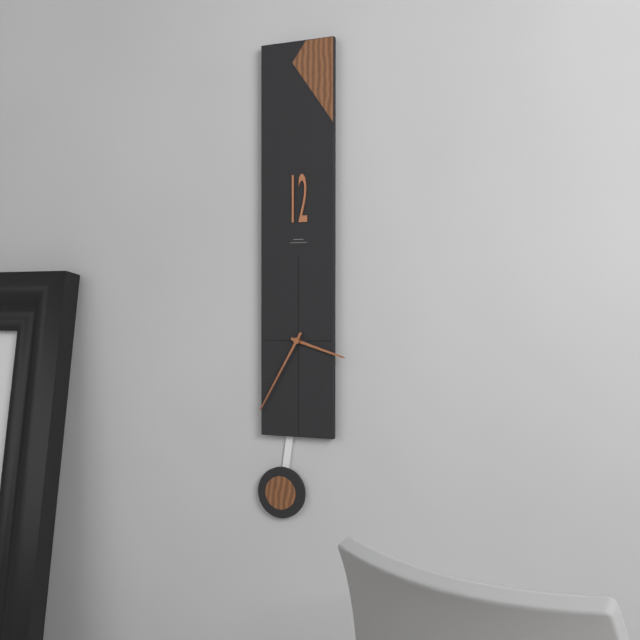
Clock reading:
{"hour": 3, "minute": 35}
